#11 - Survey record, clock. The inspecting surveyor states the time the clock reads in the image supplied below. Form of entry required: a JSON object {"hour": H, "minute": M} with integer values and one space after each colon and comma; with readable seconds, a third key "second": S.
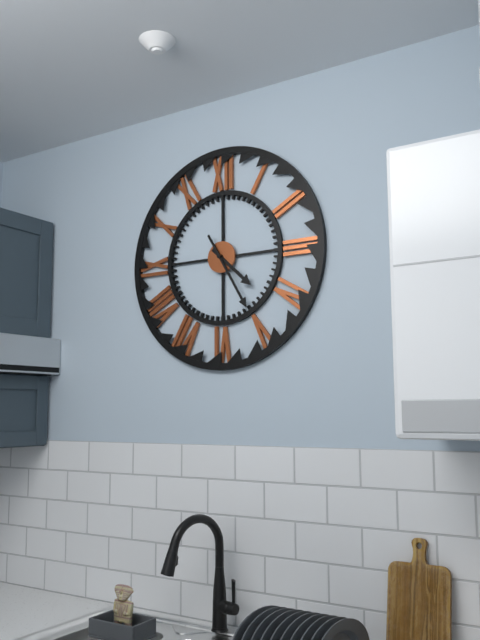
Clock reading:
{"hour": 4, "minute": 25}
